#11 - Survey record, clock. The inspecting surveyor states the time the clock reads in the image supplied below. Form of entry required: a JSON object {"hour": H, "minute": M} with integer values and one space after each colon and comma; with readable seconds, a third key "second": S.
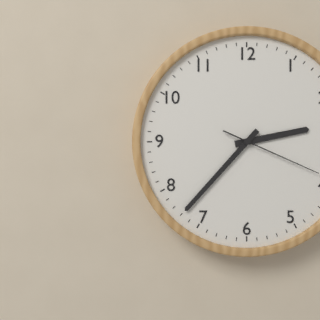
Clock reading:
{"hour": 2, "minute": 37, "second": 19}
